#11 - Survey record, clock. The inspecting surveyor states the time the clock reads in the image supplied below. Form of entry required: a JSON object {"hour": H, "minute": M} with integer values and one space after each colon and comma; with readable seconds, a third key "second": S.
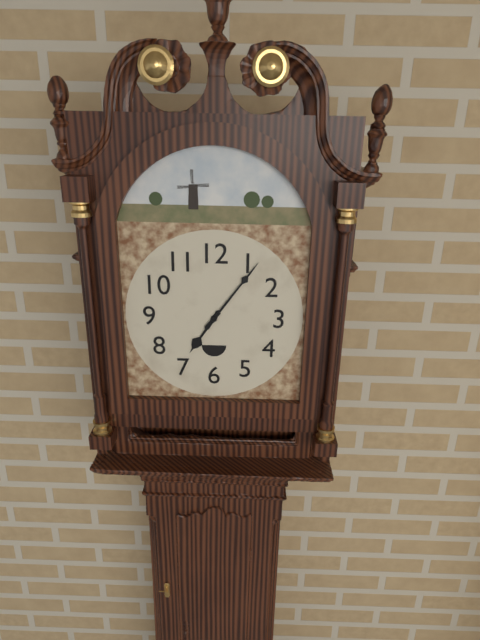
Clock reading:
{"hour": 7, "minute": 6}
